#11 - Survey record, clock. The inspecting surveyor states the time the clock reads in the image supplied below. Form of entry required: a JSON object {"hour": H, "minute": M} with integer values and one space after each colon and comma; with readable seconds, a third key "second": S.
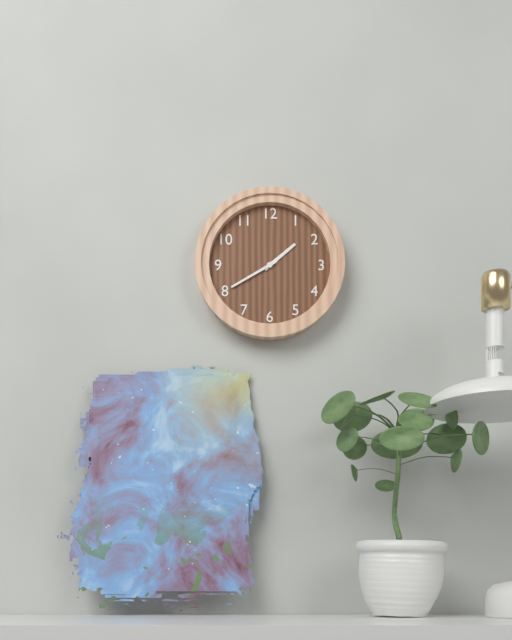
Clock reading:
{"hour": 1, "minute": 40}
